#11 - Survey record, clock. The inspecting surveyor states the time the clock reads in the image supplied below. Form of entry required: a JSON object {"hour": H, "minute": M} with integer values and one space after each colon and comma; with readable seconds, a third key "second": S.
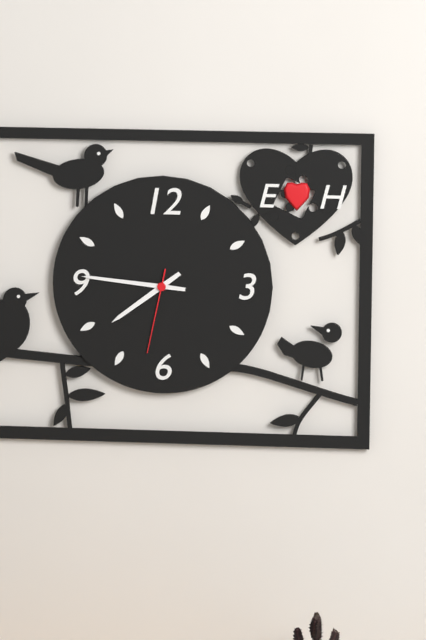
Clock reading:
{"hour": 7, "minute": 46, "second": 32}
